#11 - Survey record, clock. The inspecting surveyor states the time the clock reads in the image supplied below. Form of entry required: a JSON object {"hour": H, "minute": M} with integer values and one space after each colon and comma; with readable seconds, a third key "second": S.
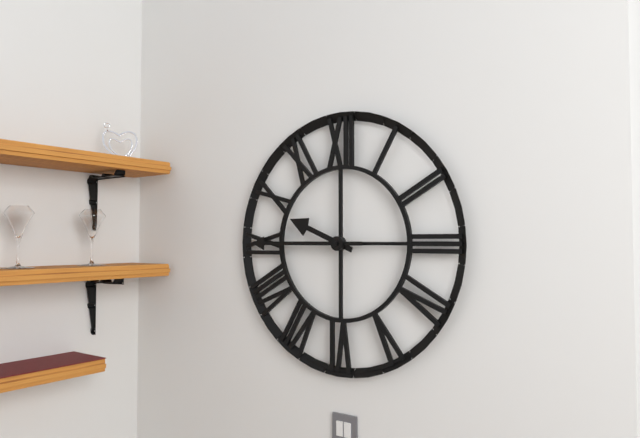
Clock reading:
{"hour": 9, "minute": 45}
